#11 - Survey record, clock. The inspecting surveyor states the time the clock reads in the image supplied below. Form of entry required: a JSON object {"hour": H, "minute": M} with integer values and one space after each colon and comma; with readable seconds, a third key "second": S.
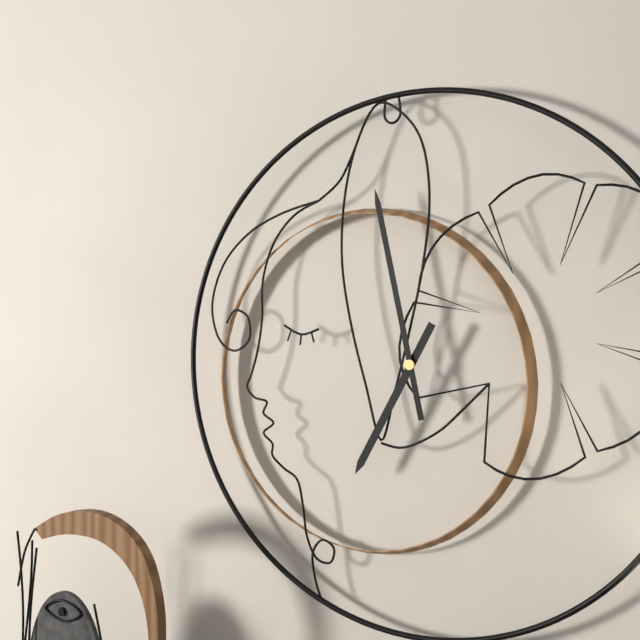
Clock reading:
{"hour": 6, "minute": 58}
